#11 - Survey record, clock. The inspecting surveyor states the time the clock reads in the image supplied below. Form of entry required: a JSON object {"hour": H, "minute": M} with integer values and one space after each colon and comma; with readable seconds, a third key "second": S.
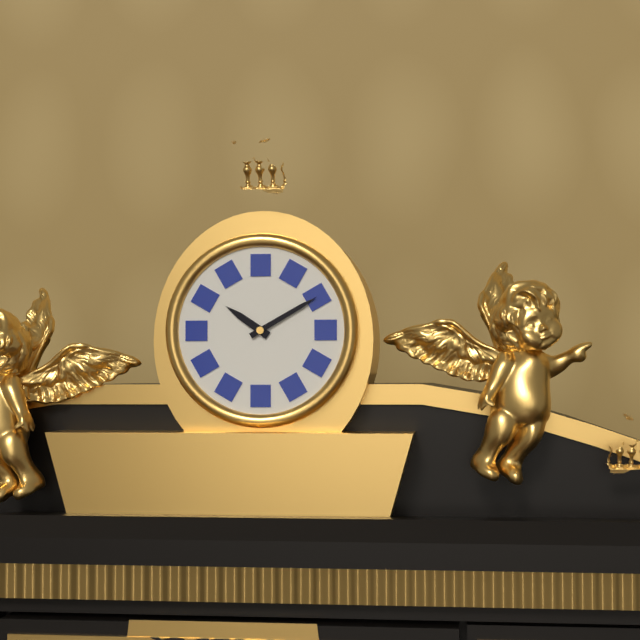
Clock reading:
{"hour": 10, "minute": 10}
